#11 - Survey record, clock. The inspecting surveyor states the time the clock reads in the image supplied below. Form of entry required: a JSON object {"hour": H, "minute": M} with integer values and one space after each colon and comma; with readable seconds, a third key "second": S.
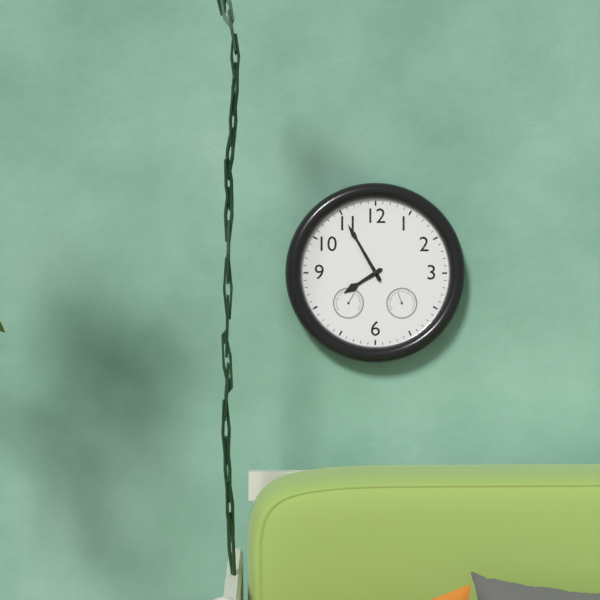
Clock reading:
{"hour": 7, "minute": 55}
